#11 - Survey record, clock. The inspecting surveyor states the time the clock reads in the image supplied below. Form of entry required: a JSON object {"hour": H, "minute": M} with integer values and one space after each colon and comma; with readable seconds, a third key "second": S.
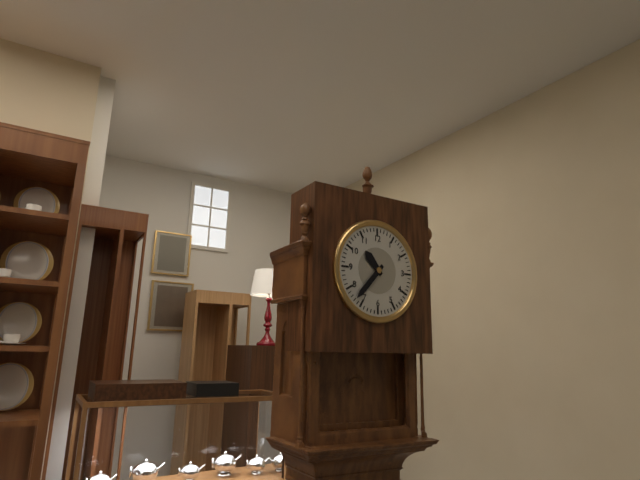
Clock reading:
{"hour": 10, "minute": 37}
